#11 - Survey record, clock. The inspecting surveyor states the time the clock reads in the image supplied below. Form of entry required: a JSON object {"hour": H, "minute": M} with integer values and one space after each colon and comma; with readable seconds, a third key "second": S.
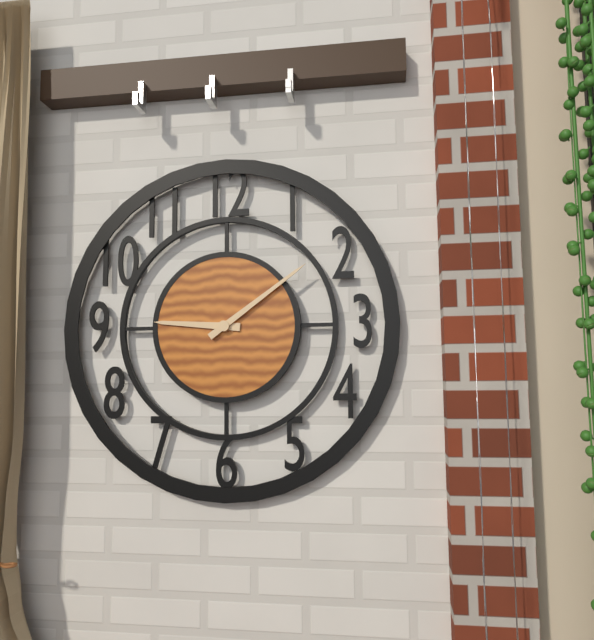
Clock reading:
{"hour": 9, "minute": 9}
